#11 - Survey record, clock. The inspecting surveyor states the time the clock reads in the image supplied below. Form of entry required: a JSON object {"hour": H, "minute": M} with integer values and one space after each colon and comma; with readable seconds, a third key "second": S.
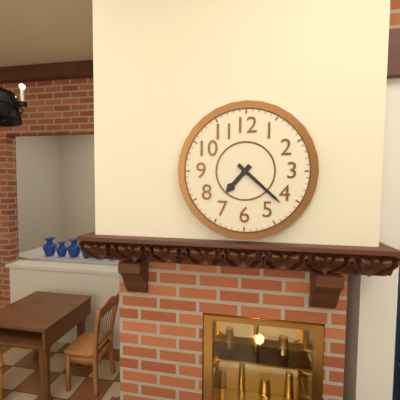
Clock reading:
{"hour": 7, "minute": 22}
